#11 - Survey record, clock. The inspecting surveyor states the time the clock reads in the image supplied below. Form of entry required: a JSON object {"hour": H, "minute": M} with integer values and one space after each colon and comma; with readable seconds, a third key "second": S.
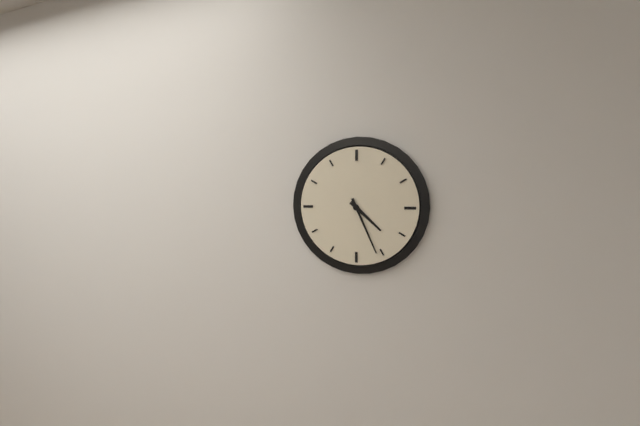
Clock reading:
{"hour": 4, "minute": 26}
